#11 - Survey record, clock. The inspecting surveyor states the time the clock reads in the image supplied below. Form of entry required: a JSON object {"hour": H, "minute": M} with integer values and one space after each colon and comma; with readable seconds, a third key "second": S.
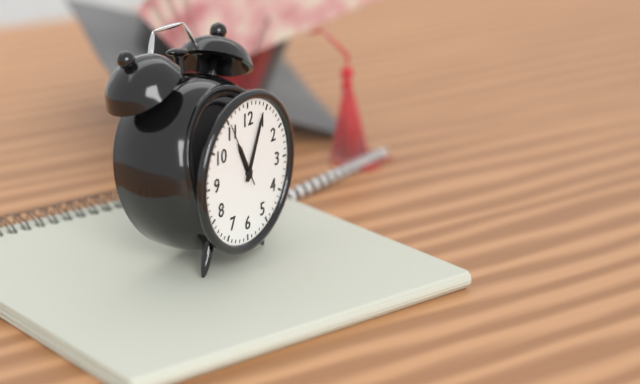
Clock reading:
{"hour": 11, "minute": 4, "second": 55}
